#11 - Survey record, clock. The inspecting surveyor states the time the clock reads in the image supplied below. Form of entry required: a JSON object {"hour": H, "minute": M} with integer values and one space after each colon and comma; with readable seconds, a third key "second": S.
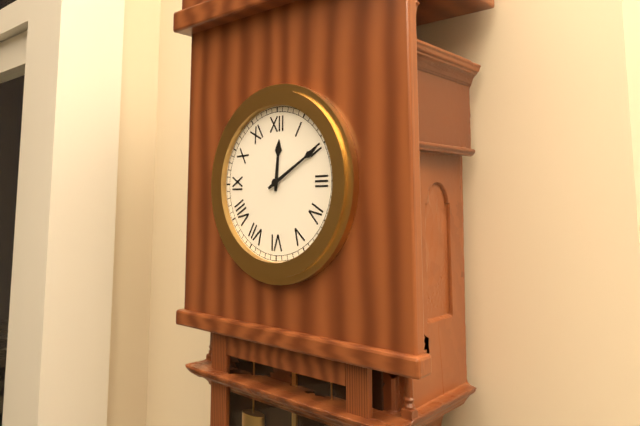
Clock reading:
{"hour": 12, "minute": 10}
